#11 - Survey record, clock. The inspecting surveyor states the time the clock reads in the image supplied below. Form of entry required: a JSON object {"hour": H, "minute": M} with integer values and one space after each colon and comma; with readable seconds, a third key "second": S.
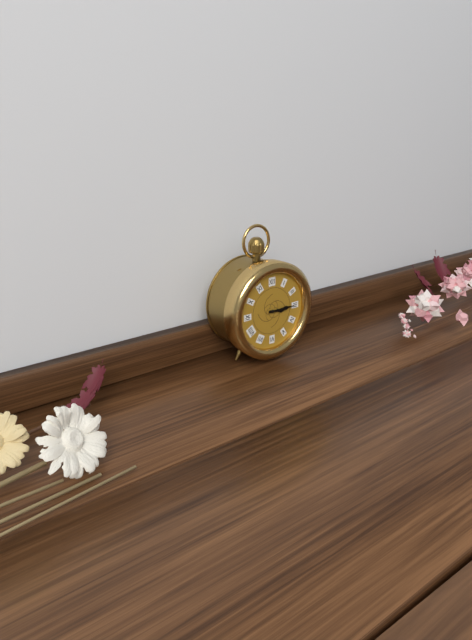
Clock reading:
{"hour": 3, "minute": 15}
